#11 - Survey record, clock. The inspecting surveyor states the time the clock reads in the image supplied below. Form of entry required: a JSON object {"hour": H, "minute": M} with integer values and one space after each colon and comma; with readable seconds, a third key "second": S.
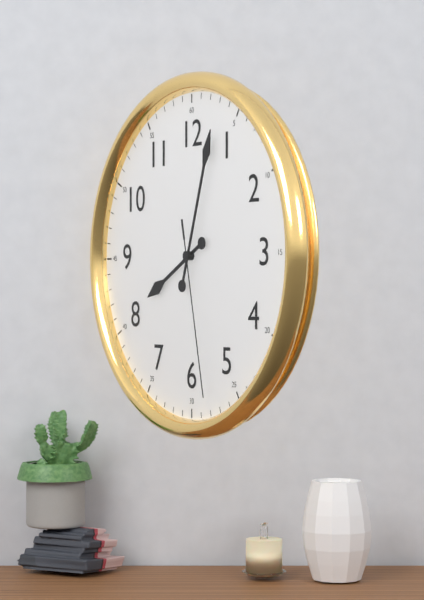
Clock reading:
{"hour": 8, "minute": 3, "second": 28}
